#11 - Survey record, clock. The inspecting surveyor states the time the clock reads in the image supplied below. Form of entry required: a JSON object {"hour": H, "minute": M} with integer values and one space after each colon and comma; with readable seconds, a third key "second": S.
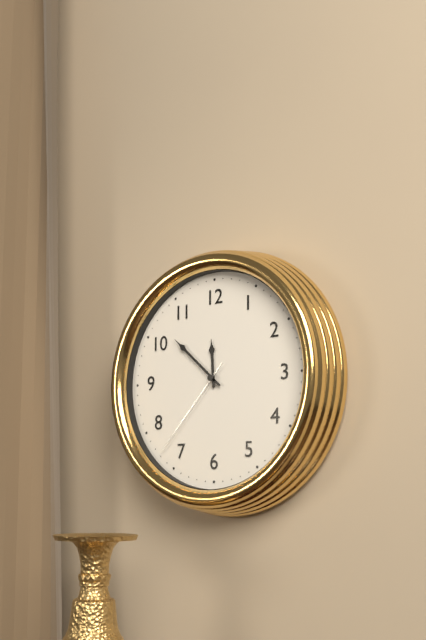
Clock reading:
{"hour": 11, "minute": 52, "second": 37}
